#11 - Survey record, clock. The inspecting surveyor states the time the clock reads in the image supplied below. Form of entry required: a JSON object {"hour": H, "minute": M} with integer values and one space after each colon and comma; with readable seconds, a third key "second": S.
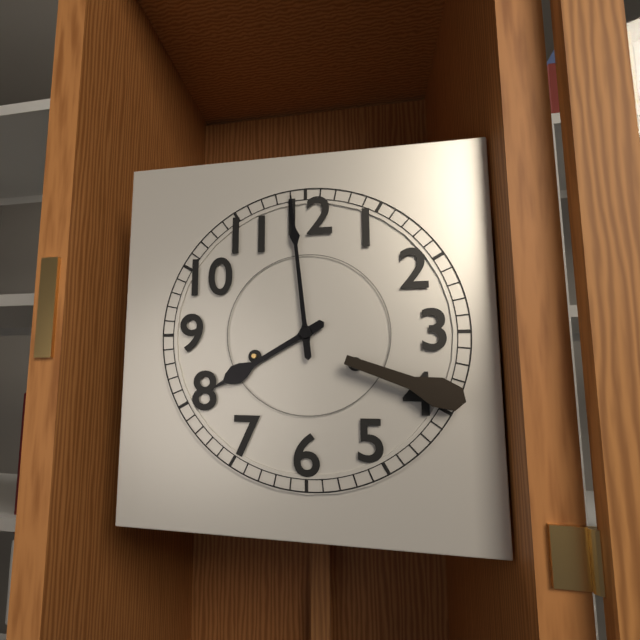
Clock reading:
{"hour": 7, "minute": 59}
